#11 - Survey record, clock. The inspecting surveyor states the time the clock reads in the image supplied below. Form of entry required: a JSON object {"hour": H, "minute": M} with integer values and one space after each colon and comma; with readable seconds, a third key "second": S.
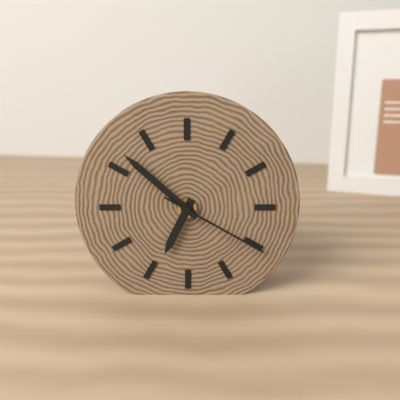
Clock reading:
{"hour": 6, "minute": 52, "second": 20}
